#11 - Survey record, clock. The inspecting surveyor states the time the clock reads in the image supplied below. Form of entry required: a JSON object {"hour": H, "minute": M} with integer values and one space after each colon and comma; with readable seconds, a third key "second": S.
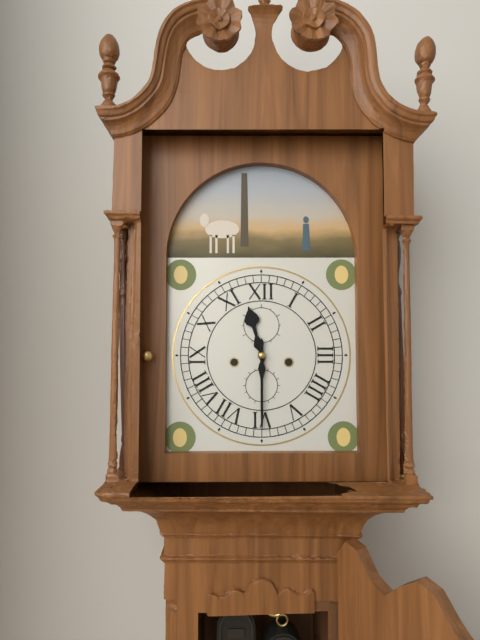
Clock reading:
{"hour": 11, "minute": 30}
